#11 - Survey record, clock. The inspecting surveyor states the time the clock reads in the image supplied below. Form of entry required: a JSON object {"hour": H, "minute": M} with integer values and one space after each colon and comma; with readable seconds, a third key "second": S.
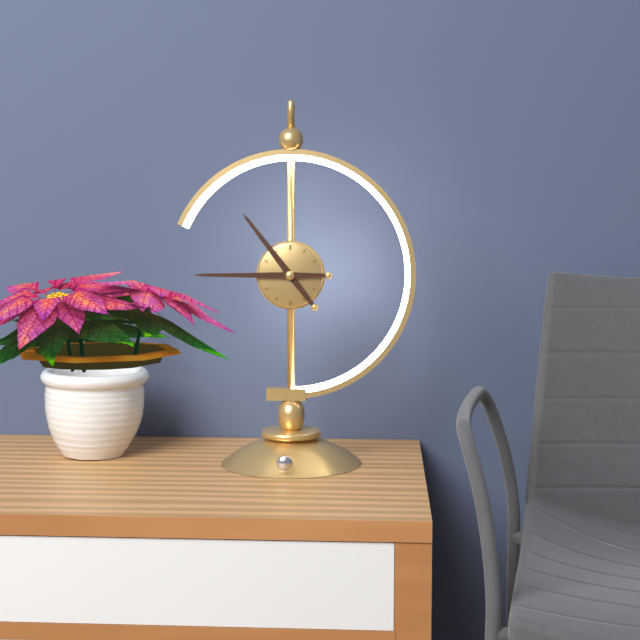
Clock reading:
{"hour": 10, "minute": 45}
